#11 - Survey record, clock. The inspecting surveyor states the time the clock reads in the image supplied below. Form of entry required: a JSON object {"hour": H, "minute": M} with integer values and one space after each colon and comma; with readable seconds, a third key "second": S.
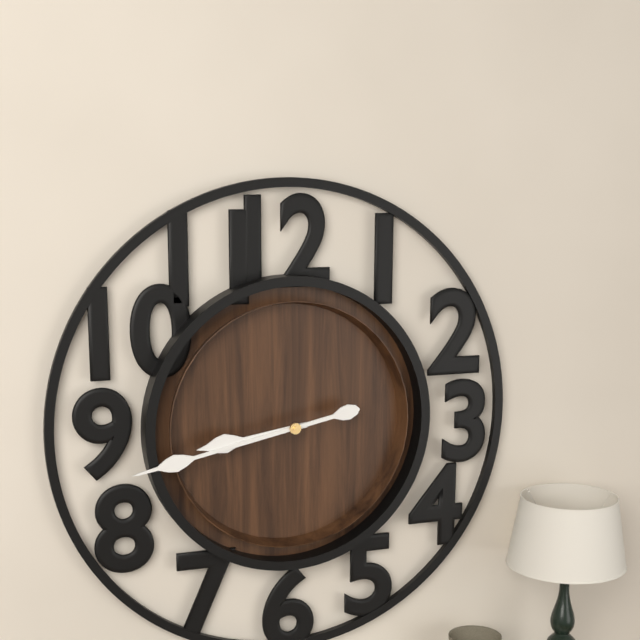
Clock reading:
{"hour": 8, "minute": 43}
